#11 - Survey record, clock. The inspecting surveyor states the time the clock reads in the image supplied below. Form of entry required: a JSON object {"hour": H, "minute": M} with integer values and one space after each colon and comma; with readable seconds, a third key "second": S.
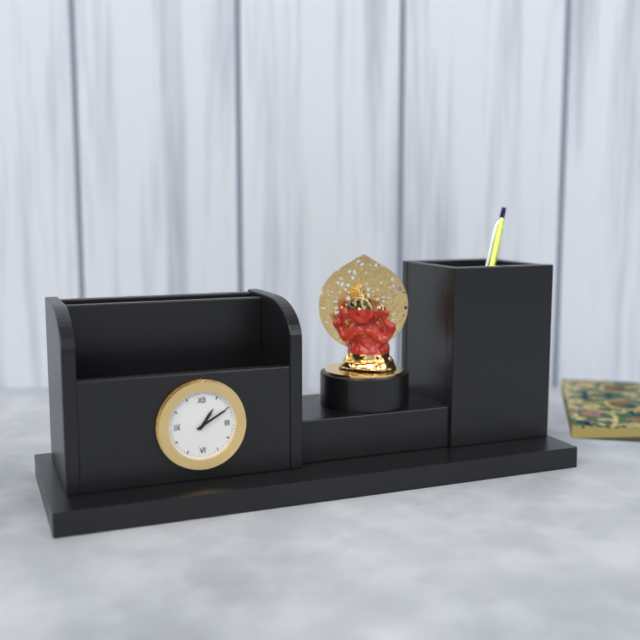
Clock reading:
{"hour": 1, "minute": 10}
